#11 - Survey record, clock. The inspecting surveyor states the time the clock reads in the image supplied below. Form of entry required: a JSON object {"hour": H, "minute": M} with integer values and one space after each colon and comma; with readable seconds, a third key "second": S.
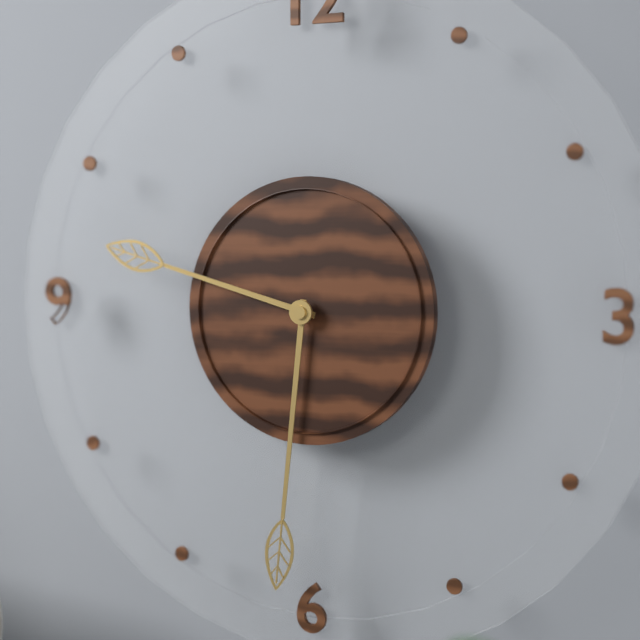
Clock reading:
{"hour": 9, "minute": 31}
